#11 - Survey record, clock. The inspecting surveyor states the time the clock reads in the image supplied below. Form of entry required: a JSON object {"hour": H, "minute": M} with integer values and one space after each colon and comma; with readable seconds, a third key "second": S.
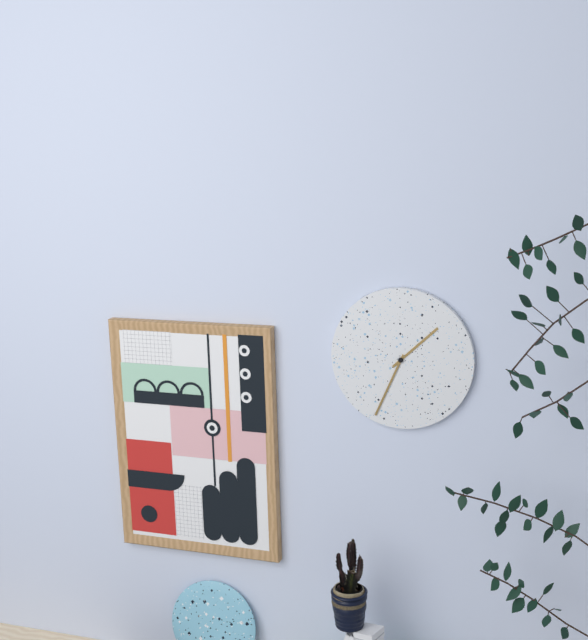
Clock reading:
{"hour": 1, "minute": 34}
